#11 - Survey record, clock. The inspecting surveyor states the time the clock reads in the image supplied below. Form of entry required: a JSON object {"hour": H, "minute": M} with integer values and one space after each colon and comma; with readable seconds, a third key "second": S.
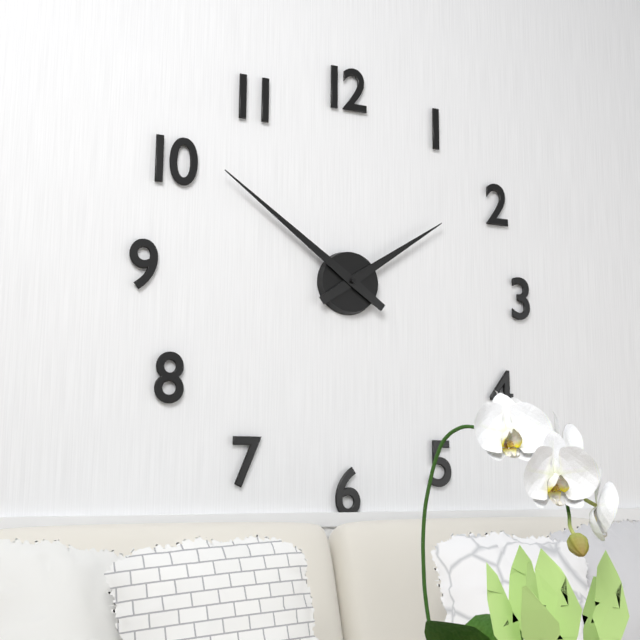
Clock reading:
{"hour": 1, "minute": 51}
